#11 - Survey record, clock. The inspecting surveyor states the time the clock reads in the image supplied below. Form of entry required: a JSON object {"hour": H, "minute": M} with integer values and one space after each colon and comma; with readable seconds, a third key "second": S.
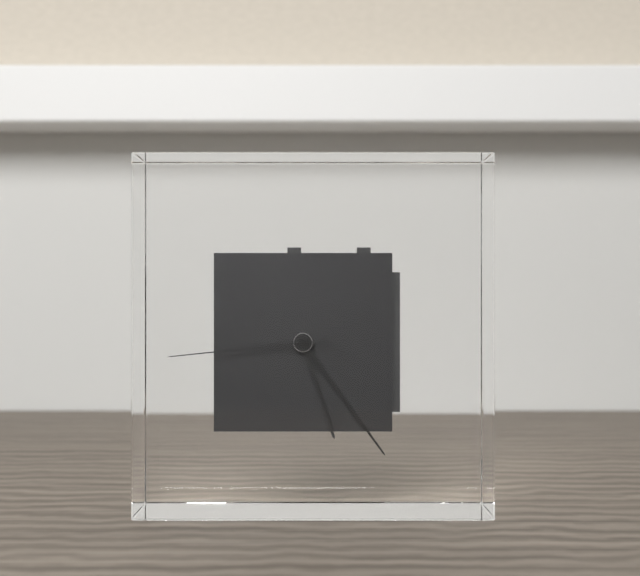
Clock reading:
{"hour": 5, "minute": 24, "second": 44}
